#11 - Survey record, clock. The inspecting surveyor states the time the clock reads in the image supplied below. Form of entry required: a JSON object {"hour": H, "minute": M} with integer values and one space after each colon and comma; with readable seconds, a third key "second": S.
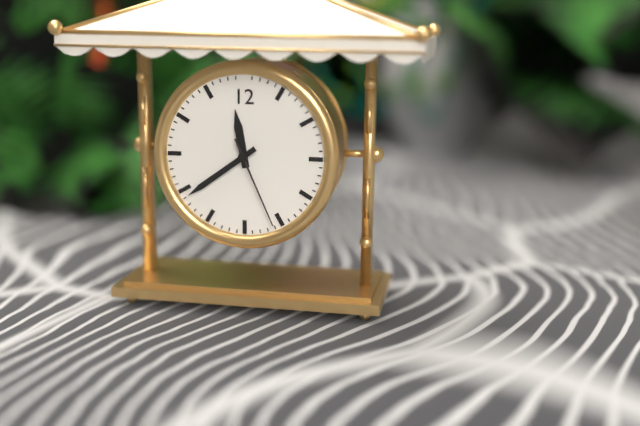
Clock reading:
{"hour": 11, "minute": 39, "second": 26}
